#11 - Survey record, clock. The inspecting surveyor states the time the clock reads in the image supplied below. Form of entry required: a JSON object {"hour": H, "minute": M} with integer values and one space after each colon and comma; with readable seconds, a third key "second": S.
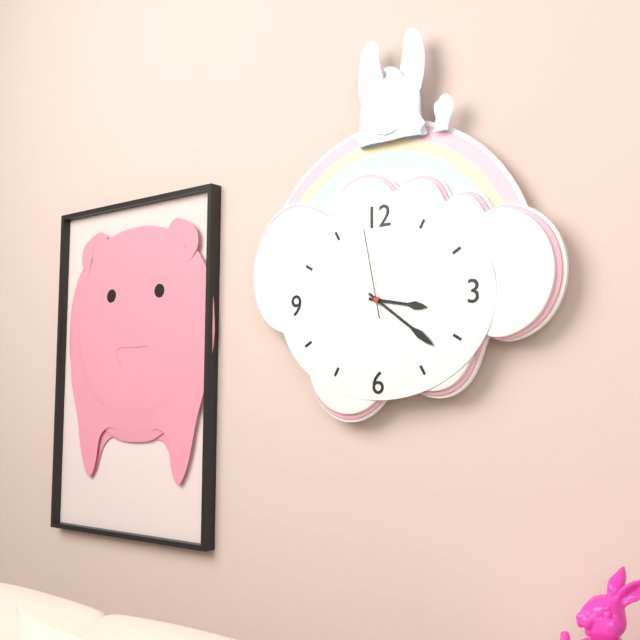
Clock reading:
{"hour": 3, "minute": 21, "second": 58}
